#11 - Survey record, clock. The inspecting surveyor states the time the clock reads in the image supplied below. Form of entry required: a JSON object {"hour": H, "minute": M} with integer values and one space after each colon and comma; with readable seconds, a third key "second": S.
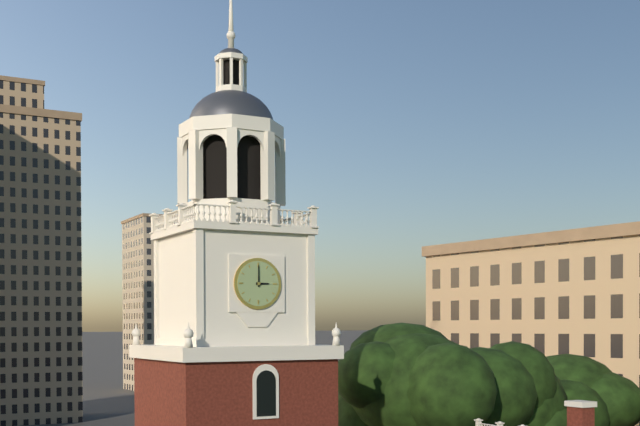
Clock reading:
{"hour": 3, "minute": 0}
